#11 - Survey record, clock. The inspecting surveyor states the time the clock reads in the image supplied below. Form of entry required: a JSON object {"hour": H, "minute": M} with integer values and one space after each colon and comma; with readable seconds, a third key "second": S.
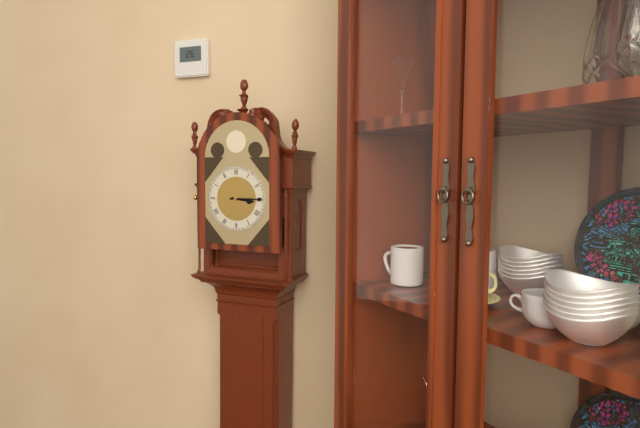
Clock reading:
{"hour": 3, "minute": 15}
